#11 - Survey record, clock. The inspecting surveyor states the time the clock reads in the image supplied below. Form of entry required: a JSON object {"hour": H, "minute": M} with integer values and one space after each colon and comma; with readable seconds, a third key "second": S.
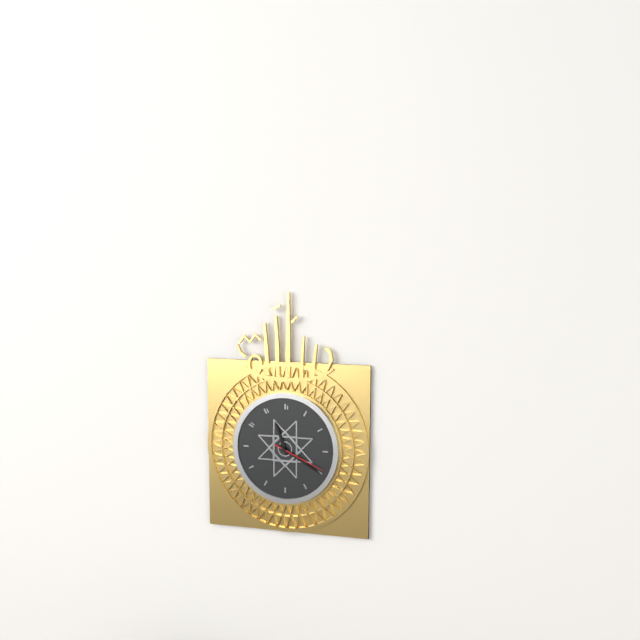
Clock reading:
{"hour": 11, "minute": 20, "second": 19}
